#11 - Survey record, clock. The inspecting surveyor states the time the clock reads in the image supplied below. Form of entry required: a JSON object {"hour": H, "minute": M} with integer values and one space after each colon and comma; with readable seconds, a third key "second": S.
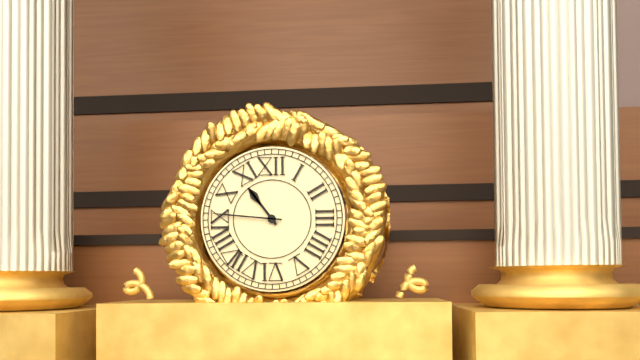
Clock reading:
{"hour": 10, "minute": 46}
